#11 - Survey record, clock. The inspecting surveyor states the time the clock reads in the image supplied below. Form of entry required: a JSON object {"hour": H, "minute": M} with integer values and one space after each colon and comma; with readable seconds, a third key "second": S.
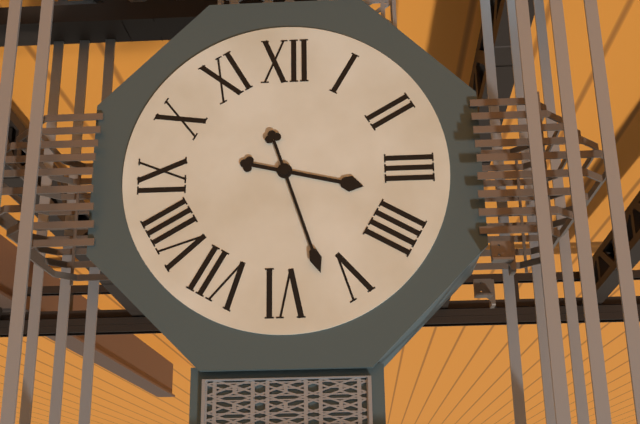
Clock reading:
{"hour": 3, "minute": 27}
